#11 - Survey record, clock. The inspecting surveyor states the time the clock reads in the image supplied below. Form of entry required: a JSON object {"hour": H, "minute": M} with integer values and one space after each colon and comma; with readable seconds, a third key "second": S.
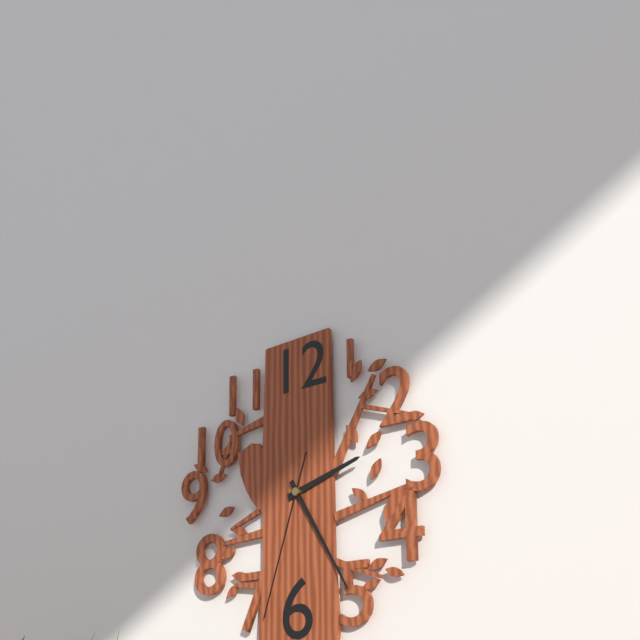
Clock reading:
{"hour": 2, "minute": 25, "second": 33}
